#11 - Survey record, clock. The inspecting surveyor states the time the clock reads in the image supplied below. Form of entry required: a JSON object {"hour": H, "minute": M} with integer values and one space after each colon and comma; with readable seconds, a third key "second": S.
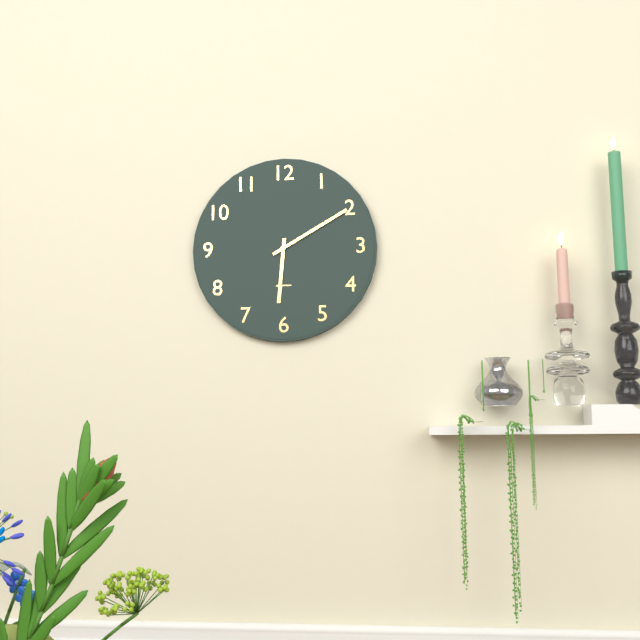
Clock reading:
{"hour": 6, "minute": 10}
